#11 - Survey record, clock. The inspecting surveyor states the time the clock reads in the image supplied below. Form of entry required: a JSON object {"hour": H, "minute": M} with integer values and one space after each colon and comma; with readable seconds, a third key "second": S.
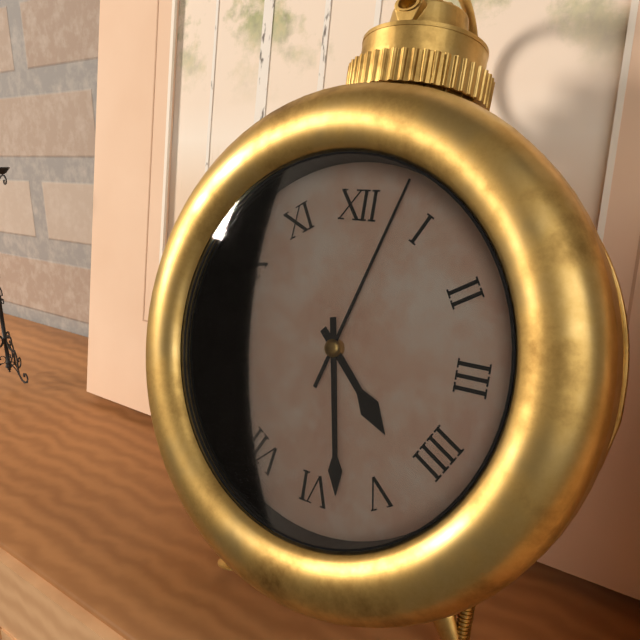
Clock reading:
{"hour": 4, "minute": 28, "second": 3}
